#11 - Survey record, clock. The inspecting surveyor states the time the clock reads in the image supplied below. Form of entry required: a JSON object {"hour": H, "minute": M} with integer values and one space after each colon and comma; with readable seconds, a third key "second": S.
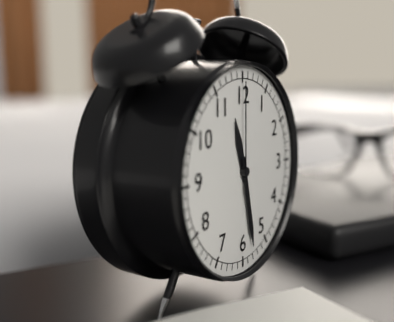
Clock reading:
{"hour": 11, "minute": 28, "second": 0}
